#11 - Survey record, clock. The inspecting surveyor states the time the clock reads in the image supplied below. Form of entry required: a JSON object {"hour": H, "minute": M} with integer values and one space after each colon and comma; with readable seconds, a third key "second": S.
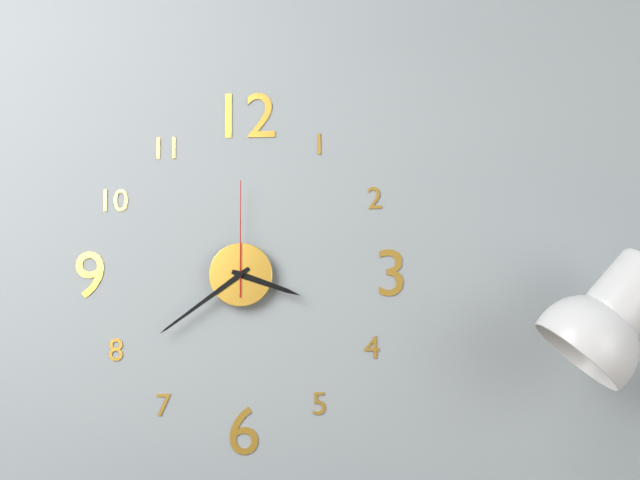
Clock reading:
{"hour": 3, "minute": 39, "second": 0}
